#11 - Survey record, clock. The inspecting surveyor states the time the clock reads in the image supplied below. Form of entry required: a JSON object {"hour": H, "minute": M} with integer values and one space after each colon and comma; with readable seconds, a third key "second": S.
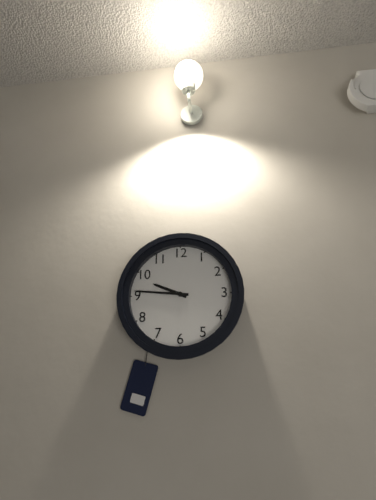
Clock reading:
{"hour": 9, "minute": 46}
